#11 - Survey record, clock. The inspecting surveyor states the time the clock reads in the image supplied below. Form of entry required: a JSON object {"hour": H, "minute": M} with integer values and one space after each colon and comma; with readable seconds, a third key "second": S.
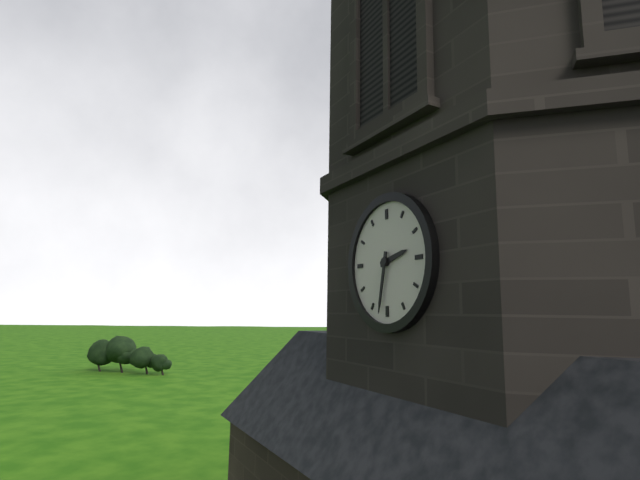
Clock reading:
{"hour": 2, "minute": 32}
